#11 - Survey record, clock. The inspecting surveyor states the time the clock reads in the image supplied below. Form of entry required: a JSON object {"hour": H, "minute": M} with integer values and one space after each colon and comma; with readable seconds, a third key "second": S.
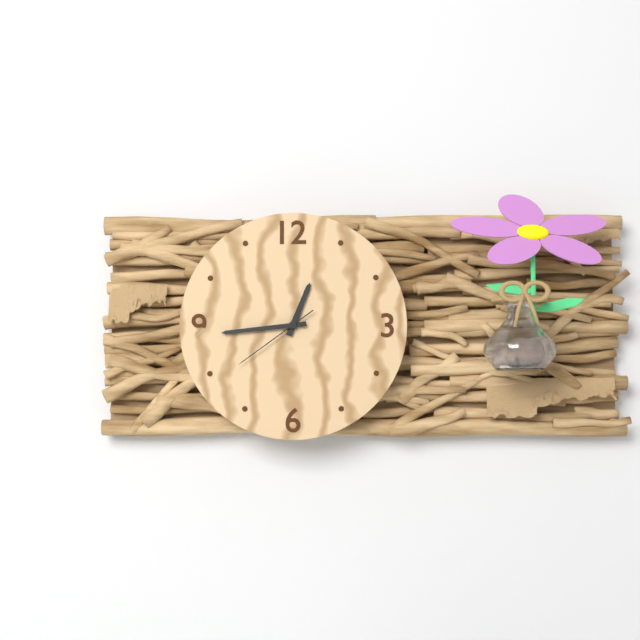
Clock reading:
{"hour": 12, "minute": 44, "second": 39}
